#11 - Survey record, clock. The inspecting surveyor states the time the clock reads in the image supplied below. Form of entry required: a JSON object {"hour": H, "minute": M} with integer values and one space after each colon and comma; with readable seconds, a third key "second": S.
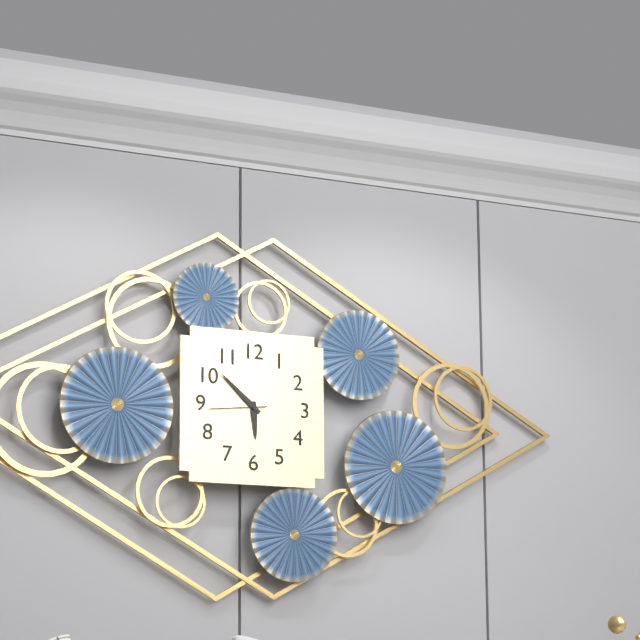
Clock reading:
{"hour": 5, "minute": 52, "second": 44}
